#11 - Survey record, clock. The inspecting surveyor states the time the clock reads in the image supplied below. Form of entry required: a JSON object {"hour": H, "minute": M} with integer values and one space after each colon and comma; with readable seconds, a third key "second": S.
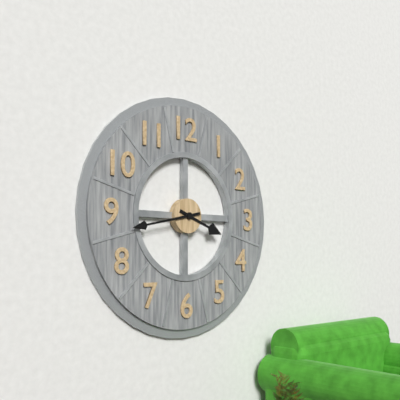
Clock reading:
{"hour": 3, "minute": 43}
